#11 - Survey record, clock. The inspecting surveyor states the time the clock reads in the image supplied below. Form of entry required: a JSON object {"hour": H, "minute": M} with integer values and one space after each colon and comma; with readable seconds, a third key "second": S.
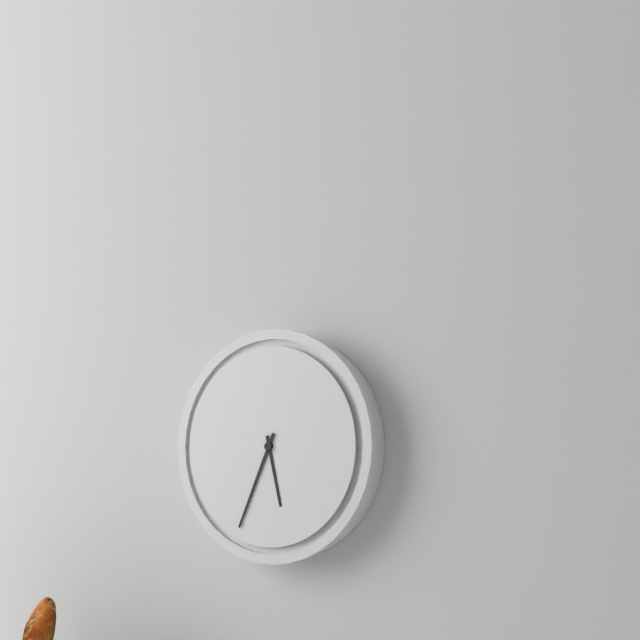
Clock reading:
{"hour": 5, "minute": 34}
